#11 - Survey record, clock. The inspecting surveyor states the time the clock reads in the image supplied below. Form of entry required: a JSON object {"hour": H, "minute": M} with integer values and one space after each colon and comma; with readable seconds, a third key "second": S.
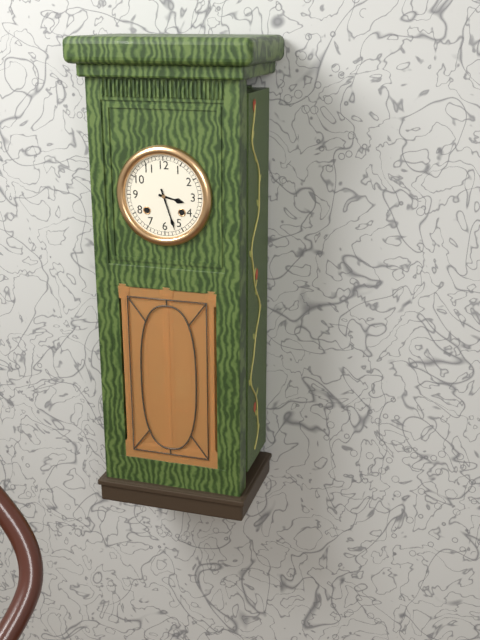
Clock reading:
{"hour": 3, "minute": 27}
